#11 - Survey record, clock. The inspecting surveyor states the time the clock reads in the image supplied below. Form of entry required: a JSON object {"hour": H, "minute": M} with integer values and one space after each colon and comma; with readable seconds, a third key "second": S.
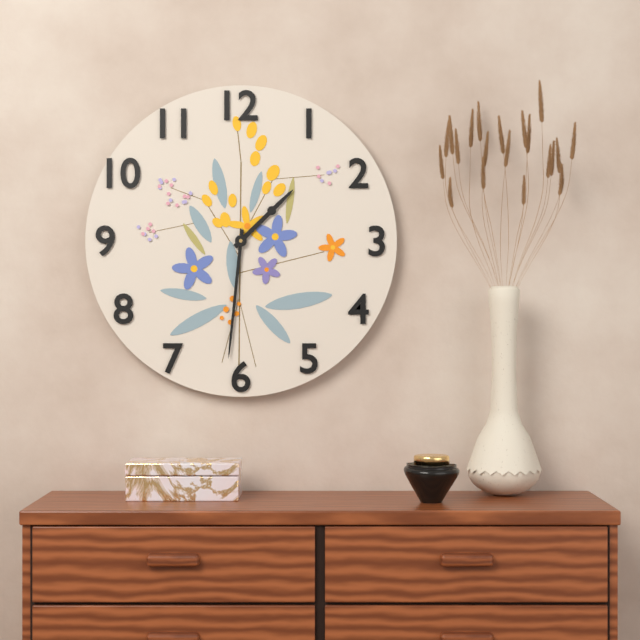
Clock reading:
{"hour": 1, "minute": 31}
